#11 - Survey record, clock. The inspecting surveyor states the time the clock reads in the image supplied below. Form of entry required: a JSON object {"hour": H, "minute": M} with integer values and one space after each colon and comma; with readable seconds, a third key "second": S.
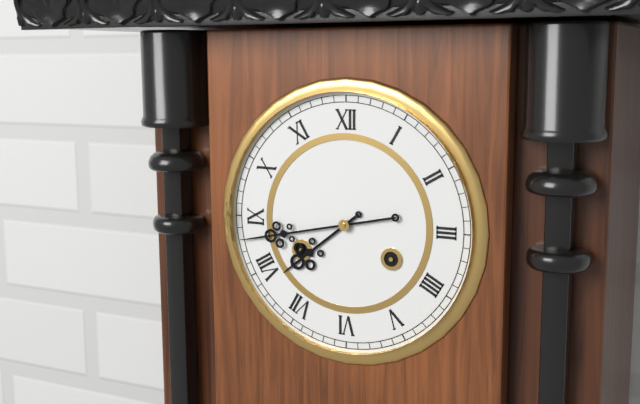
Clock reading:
{"hour": 7, "minute": 43}
